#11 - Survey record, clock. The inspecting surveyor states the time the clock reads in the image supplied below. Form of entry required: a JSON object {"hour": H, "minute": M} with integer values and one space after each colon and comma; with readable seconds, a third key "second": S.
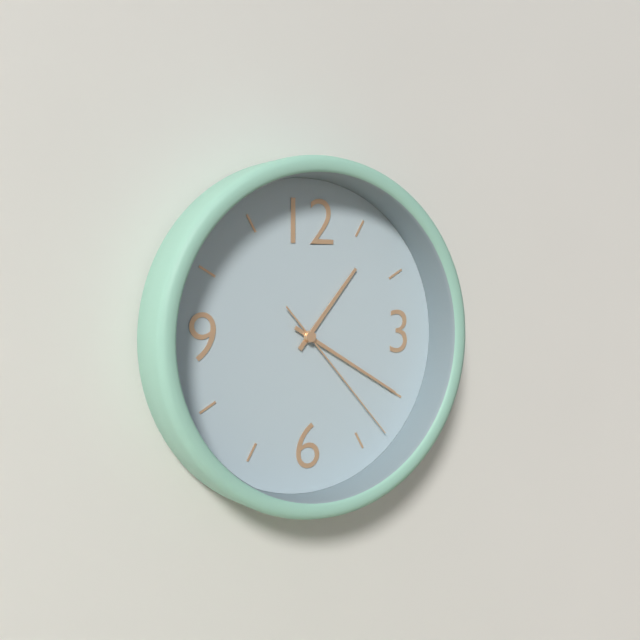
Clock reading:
{"hour": 1, "minute": 20, "second": 23}
